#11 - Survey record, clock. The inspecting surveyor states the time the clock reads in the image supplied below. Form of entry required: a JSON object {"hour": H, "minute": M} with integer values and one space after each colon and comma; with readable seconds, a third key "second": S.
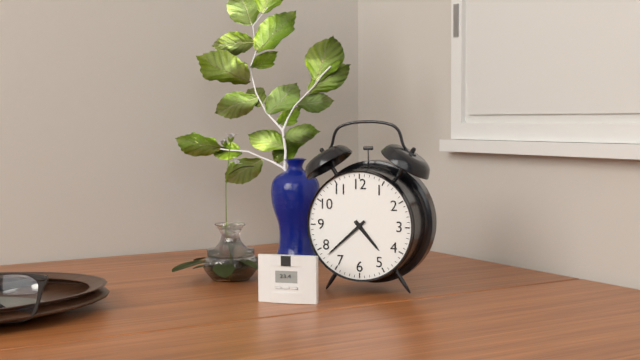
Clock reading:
{"hour": 4, "minute": 38}
